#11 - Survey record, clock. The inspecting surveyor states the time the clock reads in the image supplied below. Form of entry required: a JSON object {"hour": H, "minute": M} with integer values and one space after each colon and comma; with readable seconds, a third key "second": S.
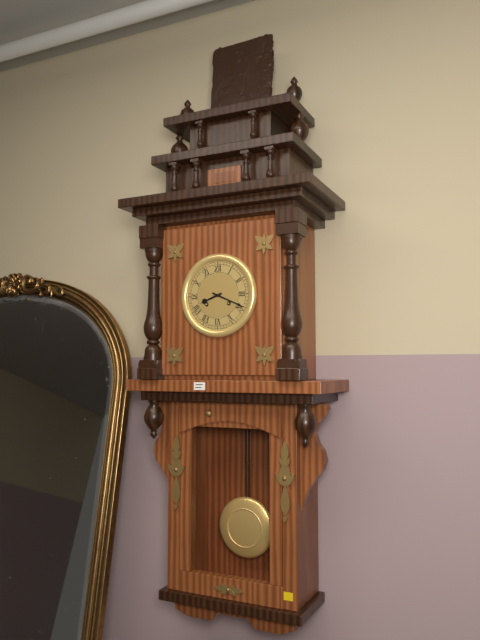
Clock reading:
{"hour": 8, "minute": 19}
